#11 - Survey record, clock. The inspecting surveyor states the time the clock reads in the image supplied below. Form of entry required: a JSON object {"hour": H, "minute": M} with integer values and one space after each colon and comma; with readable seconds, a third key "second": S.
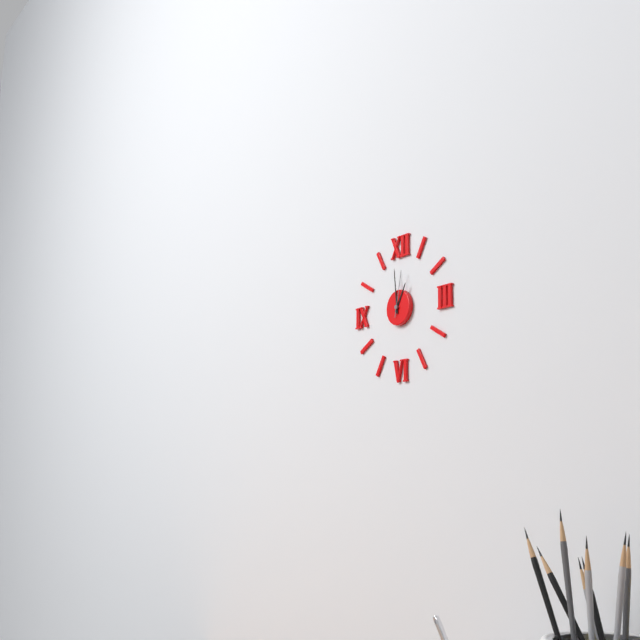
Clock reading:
{"hour": 12, "minute": 59}
